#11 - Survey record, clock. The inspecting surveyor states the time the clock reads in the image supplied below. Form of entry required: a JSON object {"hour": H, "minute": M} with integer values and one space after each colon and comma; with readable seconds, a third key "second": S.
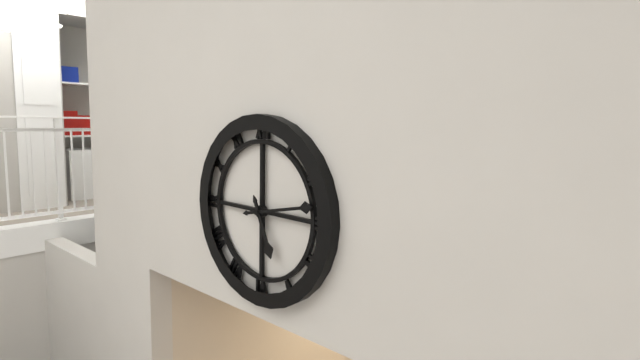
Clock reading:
{"hour": 5, "minute": 13}
